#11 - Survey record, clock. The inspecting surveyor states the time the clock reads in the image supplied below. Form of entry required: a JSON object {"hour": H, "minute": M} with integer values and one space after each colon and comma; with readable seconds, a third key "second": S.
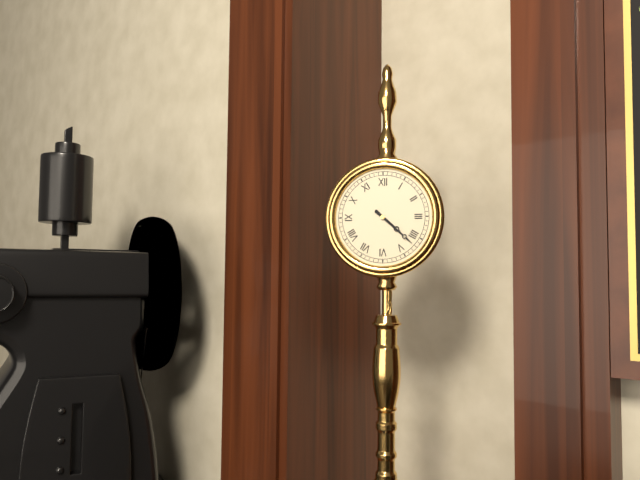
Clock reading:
{"hour": 4, "minute": 22}
